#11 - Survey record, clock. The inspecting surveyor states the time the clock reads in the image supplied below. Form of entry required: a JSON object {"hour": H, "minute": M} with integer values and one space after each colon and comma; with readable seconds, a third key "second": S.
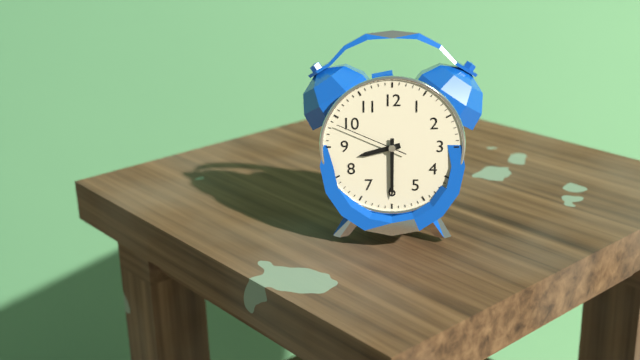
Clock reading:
{"hour": 8, "minute": 30, "second": 49}
